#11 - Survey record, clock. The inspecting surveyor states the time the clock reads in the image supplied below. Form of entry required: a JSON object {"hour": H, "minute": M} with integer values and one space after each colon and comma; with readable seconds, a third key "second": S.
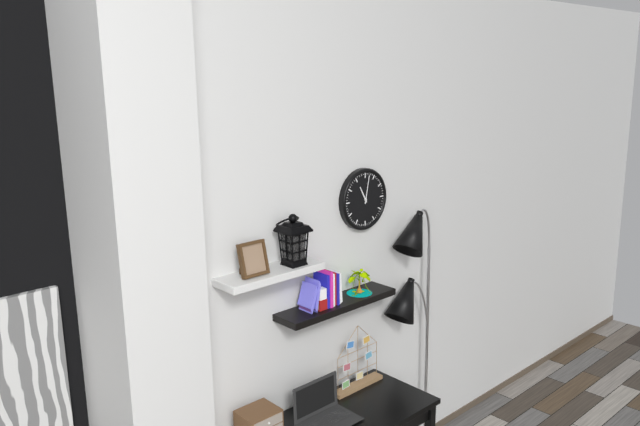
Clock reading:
{"hour": 11, "minute": 2}
